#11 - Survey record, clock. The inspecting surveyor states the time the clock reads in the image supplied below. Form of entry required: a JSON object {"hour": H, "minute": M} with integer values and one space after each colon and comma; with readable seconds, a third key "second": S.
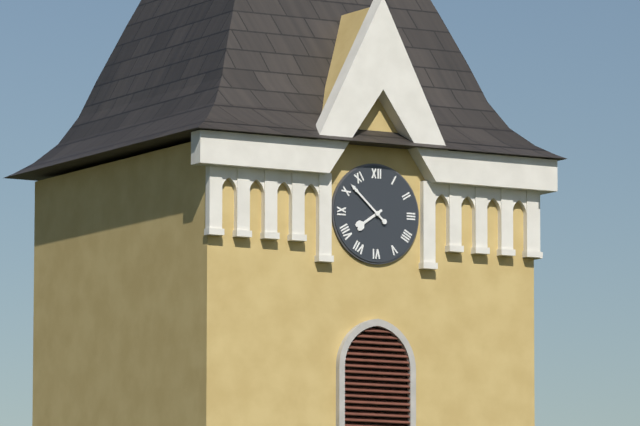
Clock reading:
{"hour": 7, "minute": 52}
